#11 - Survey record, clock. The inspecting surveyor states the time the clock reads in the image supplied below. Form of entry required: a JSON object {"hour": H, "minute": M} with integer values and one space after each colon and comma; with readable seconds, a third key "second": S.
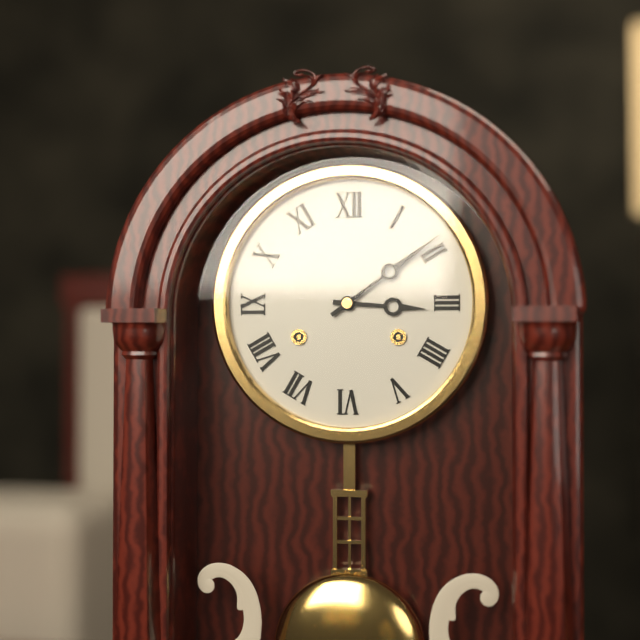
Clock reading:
{"hour": 3, "minute": 9}
